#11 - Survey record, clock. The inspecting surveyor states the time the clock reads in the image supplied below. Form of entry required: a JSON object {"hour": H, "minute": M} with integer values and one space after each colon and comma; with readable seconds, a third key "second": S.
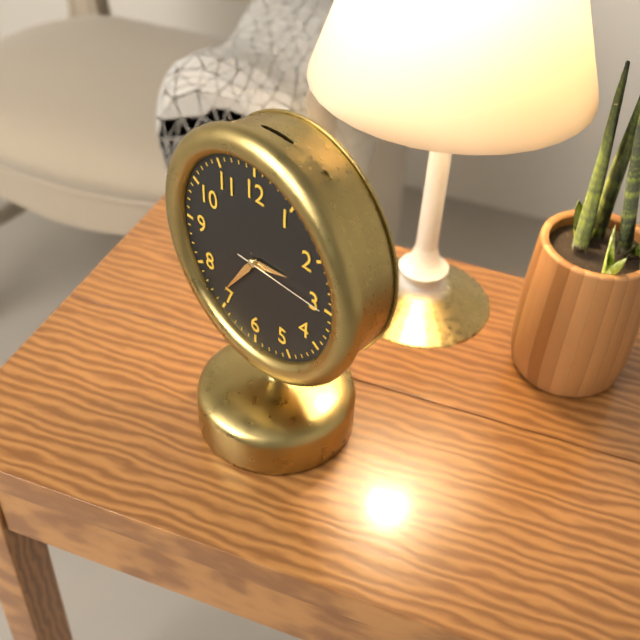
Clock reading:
{"hour": 2, "minute": 36, "second": 15}
